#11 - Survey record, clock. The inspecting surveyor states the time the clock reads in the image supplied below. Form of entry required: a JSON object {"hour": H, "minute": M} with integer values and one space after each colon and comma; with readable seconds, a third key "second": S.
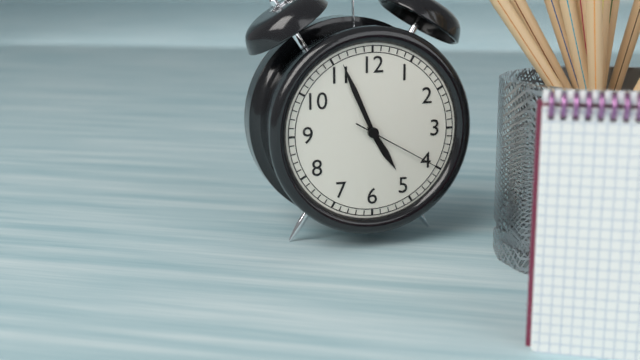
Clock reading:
{"hour": 4, "minute": 56, "second": 20}
